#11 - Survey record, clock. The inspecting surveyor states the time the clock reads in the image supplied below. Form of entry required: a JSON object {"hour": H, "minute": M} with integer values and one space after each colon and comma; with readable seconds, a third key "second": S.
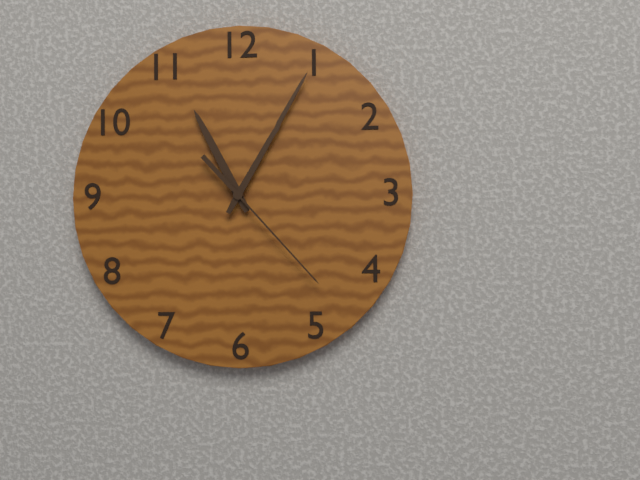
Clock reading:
{"hour": 11, "minute": 5, "second": 23}
